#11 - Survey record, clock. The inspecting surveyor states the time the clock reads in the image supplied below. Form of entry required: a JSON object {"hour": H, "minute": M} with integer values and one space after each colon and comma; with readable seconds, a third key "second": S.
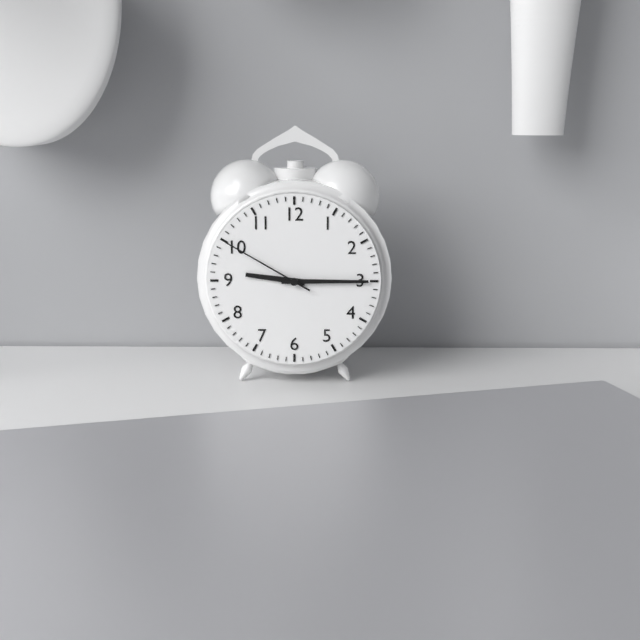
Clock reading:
{"hour": 9, "minute": 15, "second": 50}
